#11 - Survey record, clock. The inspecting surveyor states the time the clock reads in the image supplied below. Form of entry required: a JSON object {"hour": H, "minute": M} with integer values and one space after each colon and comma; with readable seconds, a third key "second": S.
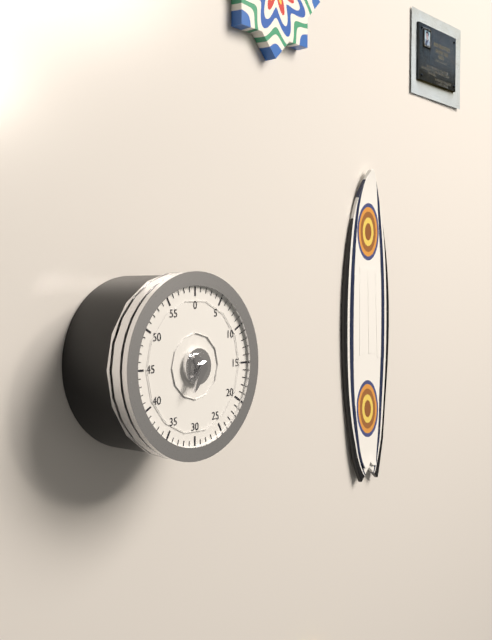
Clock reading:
{"hour": 10, "minute": 35}
